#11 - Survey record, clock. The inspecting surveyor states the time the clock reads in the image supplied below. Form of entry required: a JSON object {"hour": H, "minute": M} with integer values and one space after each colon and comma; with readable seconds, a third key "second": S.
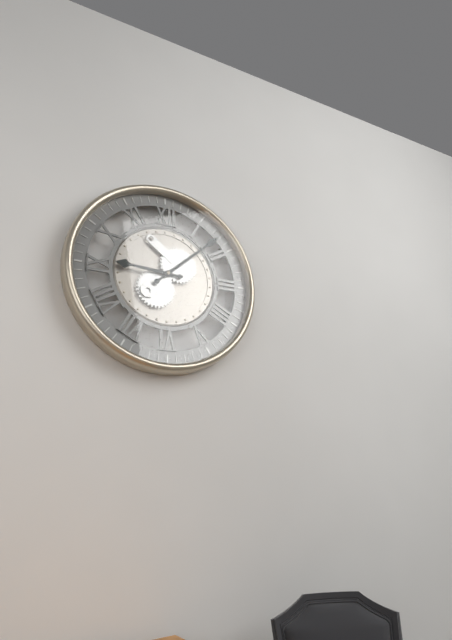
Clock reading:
{"hour": 9, "minute": 8}
